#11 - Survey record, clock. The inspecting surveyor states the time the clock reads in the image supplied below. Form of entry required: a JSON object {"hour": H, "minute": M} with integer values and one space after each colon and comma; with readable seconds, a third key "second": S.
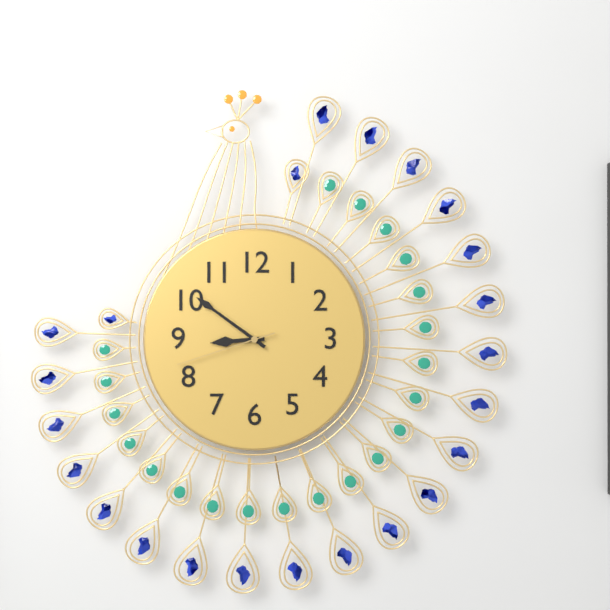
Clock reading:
{"hour": 8, "minute": 51, "second": 42}
